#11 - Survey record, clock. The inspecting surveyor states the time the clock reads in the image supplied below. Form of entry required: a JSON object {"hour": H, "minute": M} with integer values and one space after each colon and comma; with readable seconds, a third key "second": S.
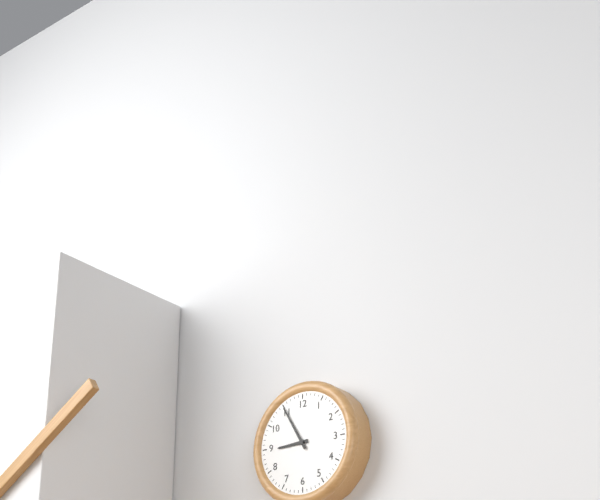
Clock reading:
{"hour": 8, "minute": 55}
